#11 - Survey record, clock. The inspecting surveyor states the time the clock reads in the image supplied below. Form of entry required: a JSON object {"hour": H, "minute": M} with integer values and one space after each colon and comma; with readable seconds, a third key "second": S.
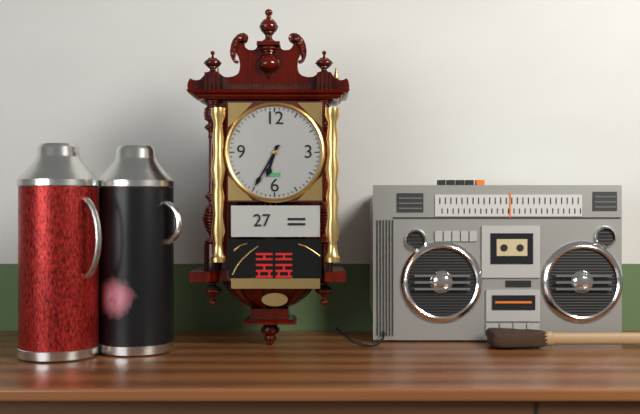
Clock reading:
{"hour": 6, "minute": 35}
